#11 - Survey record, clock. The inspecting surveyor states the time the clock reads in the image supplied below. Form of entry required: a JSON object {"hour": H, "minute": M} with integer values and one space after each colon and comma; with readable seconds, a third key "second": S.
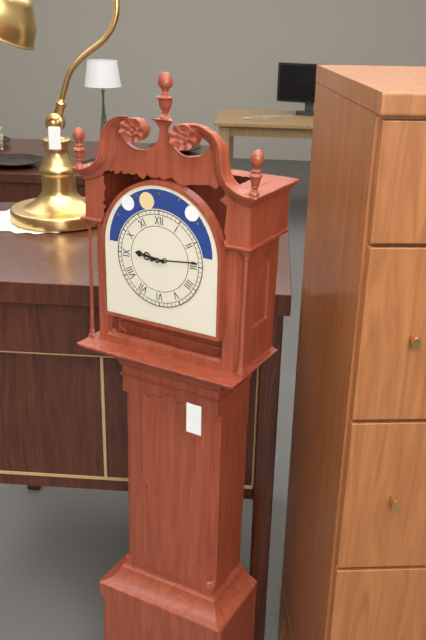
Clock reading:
{"hour": 9, "minute": 14}
